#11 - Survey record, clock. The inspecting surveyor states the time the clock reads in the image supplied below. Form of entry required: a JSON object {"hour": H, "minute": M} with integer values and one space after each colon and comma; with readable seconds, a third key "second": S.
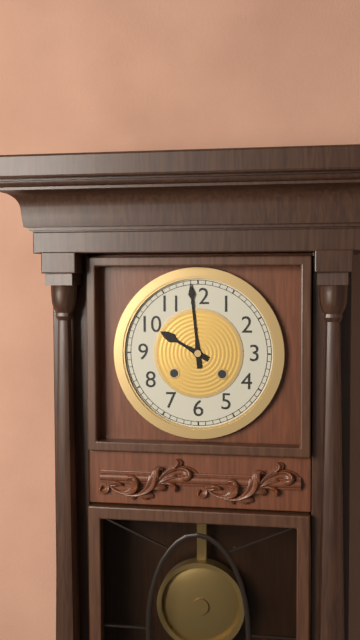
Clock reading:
{"hour": 9, "minute": 59}
